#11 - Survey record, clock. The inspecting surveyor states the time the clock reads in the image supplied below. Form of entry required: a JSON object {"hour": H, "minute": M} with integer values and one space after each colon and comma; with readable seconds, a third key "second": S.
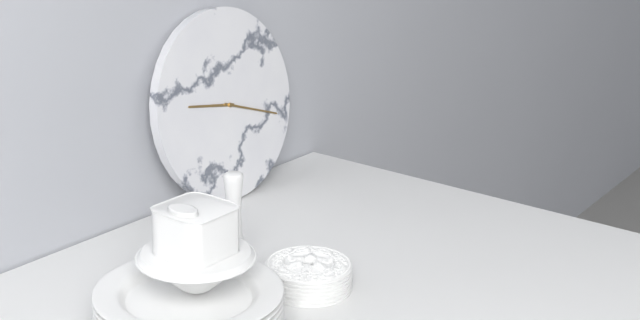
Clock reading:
{"hour": 9, "minute": 18}
